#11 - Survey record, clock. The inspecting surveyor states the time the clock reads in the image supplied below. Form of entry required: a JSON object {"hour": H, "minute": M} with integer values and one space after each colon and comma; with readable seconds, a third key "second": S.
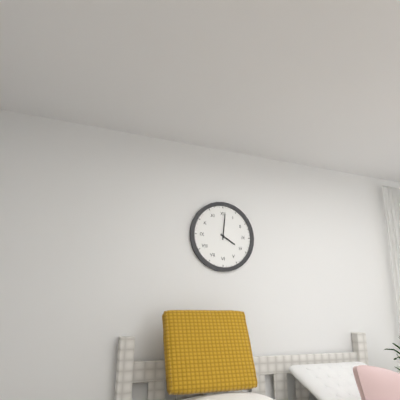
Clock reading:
{"hour": 4, "minute": 1}
